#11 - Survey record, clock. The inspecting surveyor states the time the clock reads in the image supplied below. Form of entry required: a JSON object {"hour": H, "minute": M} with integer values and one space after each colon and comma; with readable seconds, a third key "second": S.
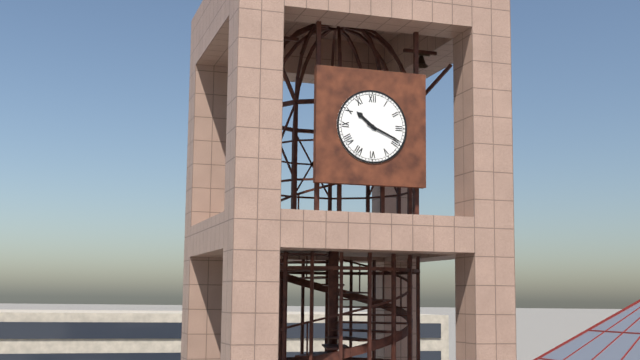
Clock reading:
{"hour": 10, "minute": 19}
